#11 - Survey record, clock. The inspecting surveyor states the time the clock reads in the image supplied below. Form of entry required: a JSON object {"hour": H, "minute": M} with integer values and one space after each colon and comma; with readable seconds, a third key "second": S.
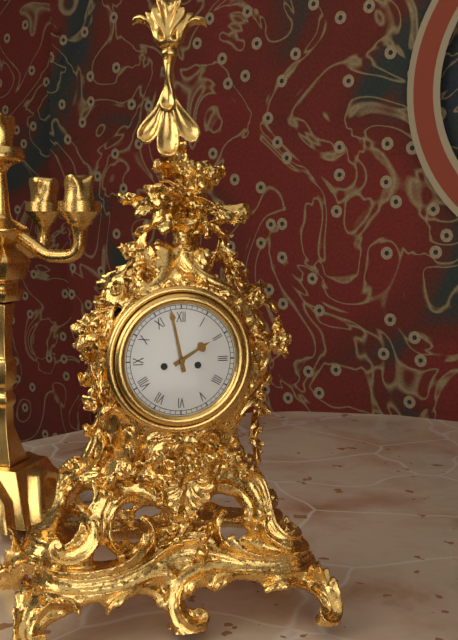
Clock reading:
{"hour": 1, "minute": 58}
